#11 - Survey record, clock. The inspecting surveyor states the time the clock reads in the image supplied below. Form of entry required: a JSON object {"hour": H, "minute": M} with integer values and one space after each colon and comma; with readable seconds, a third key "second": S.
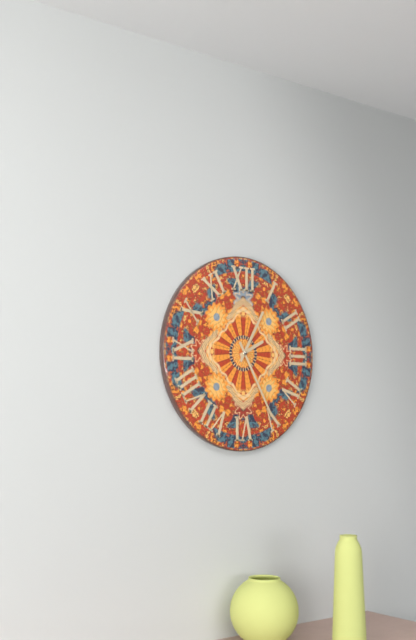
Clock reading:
{"hour": 2, "minute": 5, "second": 25}
